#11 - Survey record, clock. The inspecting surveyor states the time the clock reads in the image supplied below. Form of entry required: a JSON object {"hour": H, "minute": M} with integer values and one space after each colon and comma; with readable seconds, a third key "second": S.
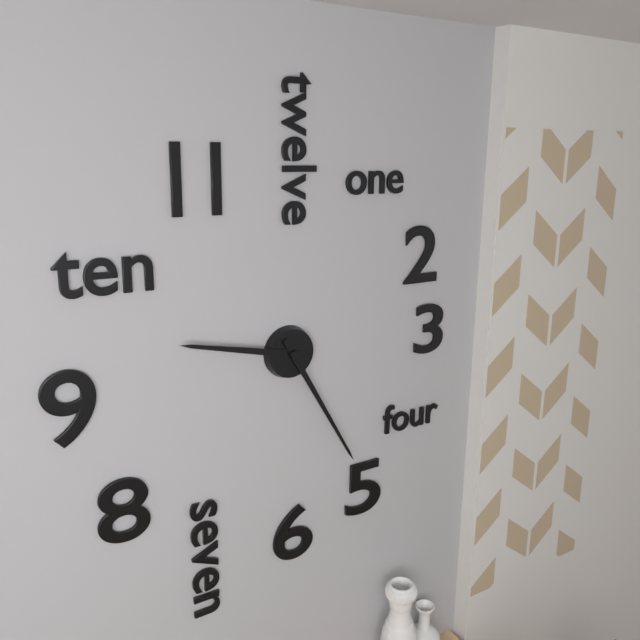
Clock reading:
{"hour": 9, "minute": 25}
